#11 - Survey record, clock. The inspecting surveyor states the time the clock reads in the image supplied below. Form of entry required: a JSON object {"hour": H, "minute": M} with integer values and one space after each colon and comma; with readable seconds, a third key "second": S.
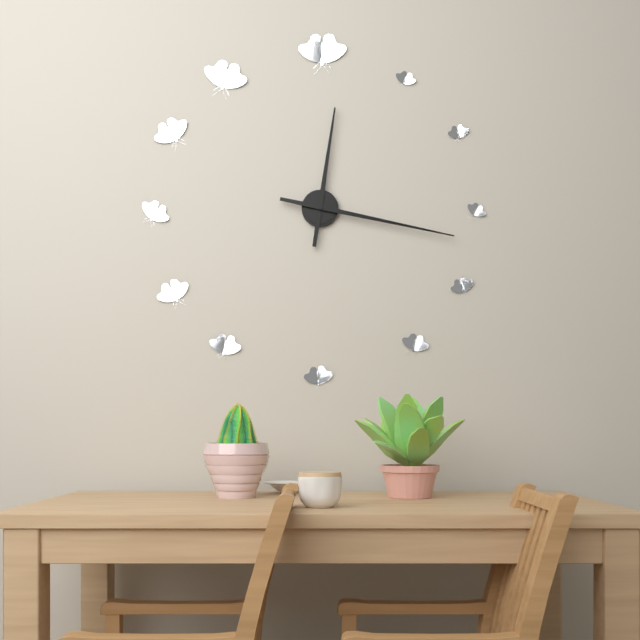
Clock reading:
{"hour": 12, "minute": 17}
